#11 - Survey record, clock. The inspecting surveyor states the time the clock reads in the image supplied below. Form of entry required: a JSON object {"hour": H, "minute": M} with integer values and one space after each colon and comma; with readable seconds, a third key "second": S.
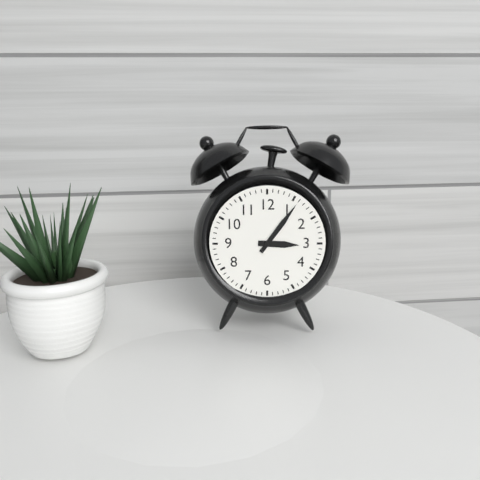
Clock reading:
{"hour": 3, "minute": 6}
